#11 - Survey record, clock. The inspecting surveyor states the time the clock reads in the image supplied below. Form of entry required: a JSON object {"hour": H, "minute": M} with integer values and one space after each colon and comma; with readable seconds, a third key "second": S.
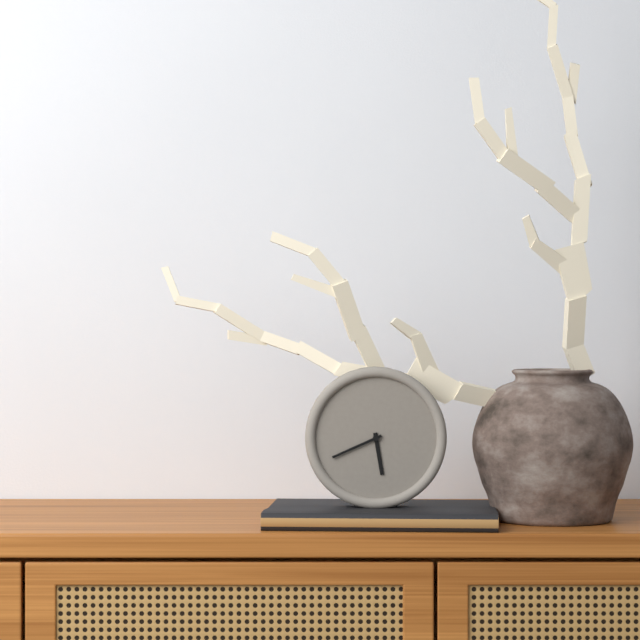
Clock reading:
{"hour": 5, "minute": 41}
